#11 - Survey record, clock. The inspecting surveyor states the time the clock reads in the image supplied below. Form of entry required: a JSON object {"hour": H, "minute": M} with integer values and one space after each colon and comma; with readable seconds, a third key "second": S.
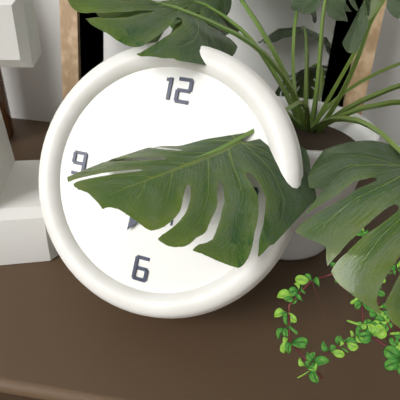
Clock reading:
{"hour": 6, "minute": 42}
